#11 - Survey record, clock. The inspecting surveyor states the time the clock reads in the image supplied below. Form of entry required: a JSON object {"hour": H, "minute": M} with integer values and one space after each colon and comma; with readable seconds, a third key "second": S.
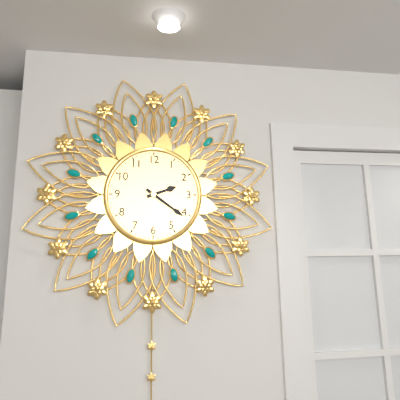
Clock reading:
{"hour": 2, "minute": 21}
